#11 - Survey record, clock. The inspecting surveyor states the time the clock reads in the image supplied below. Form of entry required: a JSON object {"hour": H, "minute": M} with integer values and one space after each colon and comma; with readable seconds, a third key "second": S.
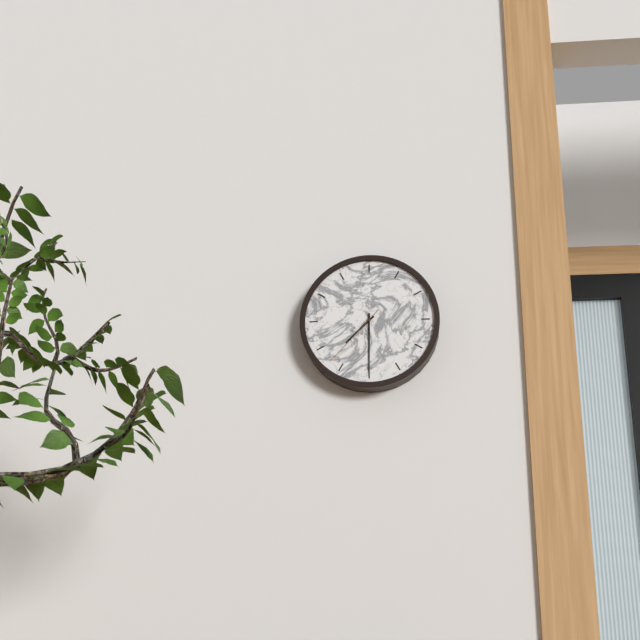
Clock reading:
{"hour": 7, "minute": 30, "second": 37}
